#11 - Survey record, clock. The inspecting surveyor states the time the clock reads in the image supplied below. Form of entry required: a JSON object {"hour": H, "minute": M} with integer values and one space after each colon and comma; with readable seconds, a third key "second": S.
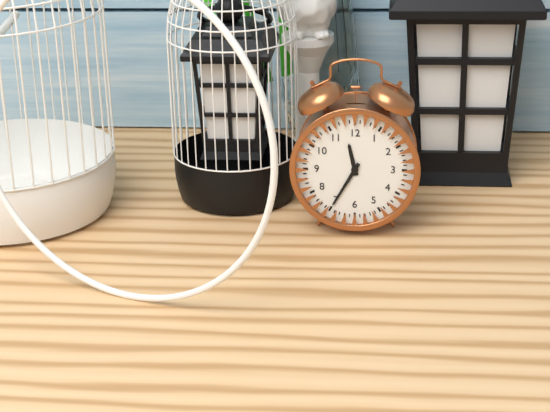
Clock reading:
{"hour": 11, "minute": 35}
